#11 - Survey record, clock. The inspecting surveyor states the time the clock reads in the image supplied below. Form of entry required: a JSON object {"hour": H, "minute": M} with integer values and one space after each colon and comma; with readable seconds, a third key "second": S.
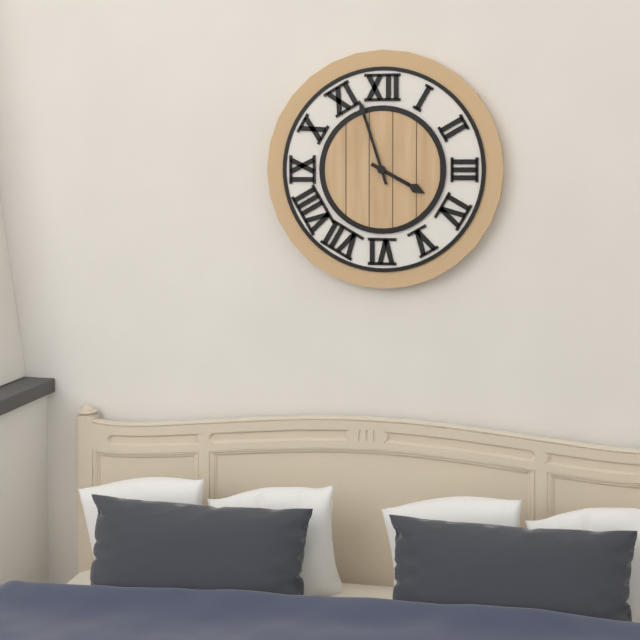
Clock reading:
{"hour": 3, "minute": 57}
